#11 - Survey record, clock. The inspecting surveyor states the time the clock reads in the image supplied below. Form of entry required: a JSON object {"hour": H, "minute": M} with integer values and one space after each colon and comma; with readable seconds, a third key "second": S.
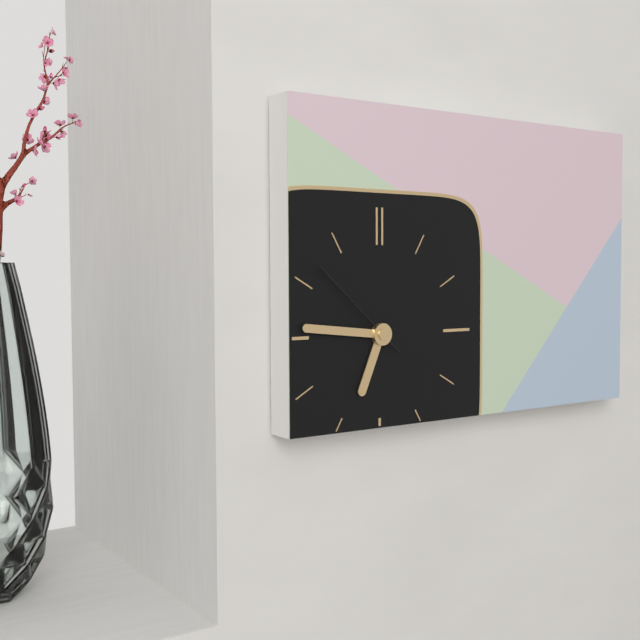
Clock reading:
{"hour": 6, "minute": 46, "second": 52}
